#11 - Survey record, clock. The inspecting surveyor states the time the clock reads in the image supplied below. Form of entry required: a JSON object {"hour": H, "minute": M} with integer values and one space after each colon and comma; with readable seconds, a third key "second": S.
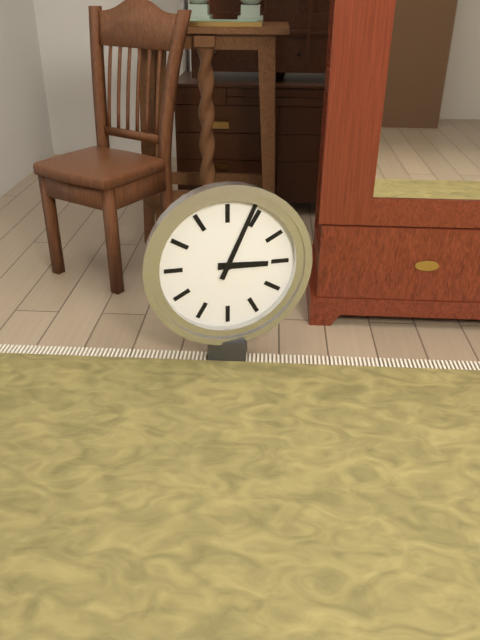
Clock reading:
{"hour": 3, "minute": 4}
